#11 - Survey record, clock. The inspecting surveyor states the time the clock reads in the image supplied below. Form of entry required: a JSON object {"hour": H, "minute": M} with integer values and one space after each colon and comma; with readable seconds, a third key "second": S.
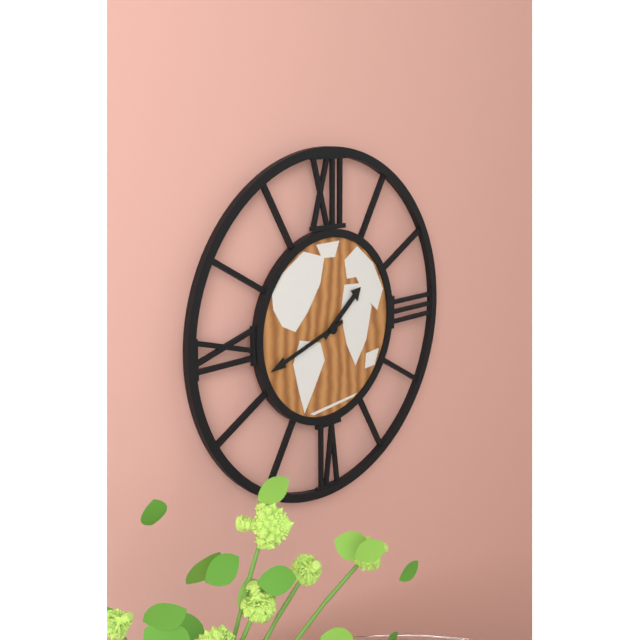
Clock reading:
{"hour": 1, "minute": 42}
